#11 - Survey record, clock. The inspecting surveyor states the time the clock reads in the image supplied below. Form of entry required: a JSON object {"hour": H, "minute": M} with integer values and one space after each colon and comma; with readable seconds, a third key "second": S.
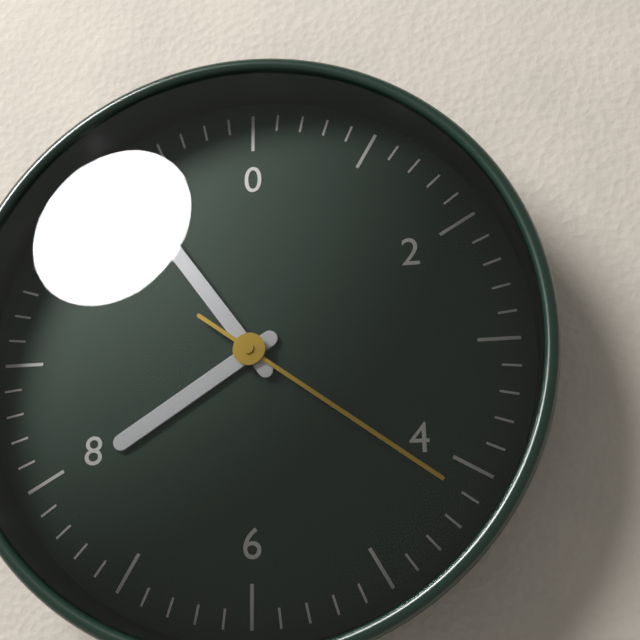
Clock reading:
{"hour": 7, "minute": 54, "second": 21}
